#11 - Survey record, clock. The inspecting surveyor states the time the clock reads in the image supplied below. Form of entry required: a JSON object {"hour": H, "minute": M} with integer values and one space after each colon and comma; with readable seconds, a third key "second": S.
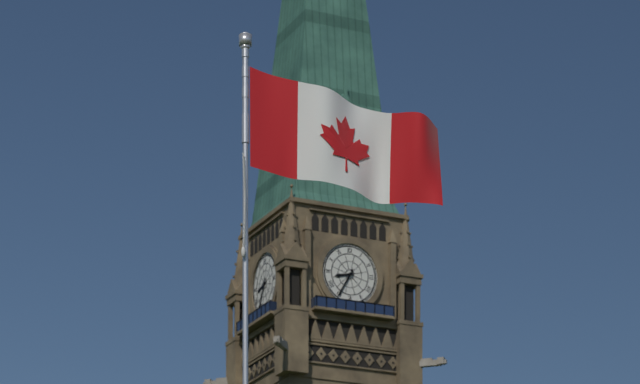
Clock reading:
{"hour": 8, "minute": 35}
